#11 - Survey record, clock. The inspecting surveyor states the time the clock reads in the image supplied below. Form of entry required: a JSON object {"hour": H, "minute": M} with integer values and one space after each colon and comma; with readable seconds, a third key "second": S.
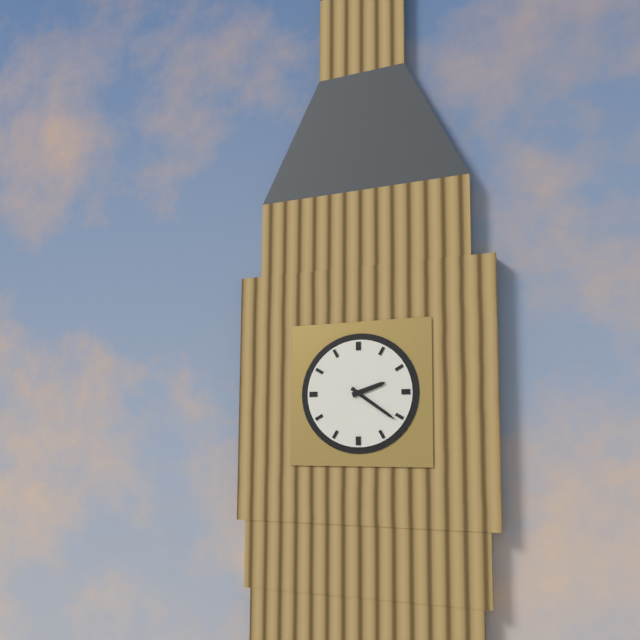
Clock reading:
{"hour": 2, "minute": 21}
